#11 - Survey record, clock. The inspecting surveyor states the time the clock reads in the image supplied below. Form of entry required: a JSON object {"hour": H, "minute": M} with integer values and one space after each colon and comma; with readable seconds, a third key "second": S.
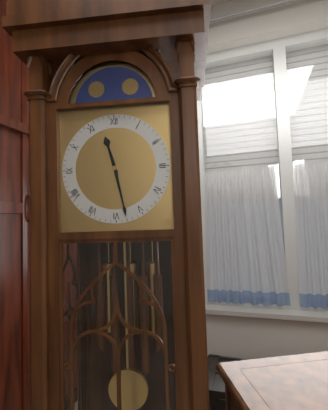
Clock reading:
{"hour": 11, "minute": 28}
